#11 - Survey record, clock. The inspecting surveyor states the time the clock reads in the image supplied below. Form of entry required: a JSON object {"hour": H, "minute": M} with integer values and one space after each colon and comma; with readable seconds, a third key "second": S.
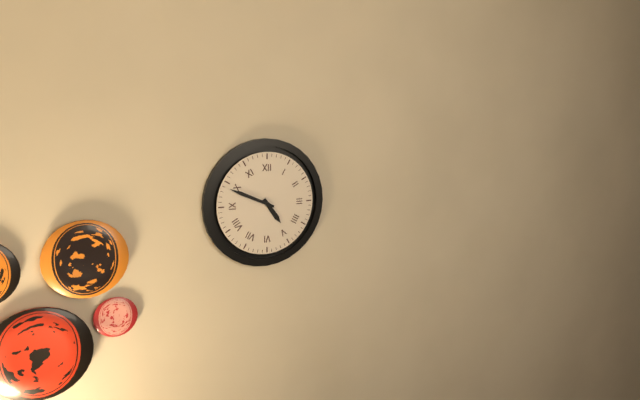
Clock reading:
{"hour": 4, "minute": 49}
